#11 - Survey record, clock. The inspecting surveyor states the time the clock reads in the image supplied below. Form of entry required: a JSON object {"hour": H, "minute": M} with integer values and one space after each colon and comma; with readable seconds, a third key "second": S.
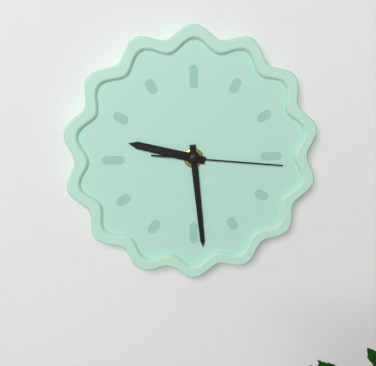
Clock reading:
{"hour": 9, "minute": 29, "second": 16}
